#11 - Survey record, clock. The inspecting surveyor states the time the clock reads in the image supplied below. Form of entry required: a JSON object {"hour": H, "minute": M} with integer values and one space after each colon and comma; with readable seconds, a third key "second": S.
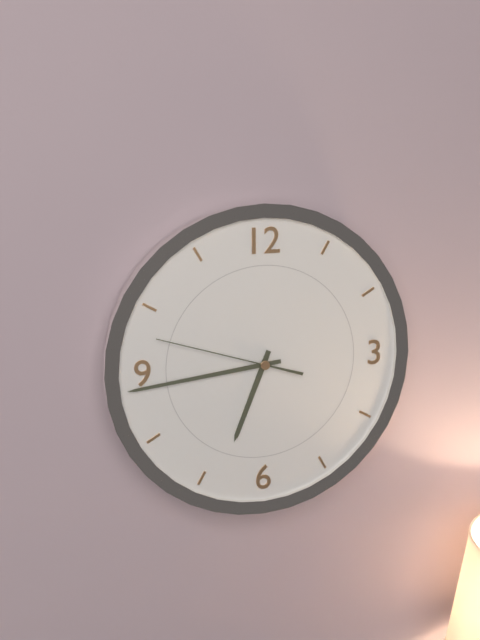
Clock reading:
{"hour": 6, "minute": 44, "second": 48}
